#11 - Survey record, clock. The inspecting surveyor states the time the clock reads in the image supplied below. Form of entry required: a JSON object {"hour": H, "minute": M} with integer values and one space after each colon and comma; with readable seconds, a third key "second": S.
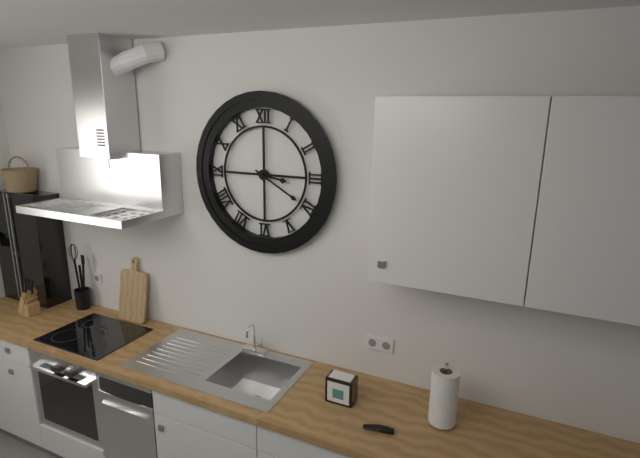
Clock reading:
{"hour": 3, "minute": 20}
